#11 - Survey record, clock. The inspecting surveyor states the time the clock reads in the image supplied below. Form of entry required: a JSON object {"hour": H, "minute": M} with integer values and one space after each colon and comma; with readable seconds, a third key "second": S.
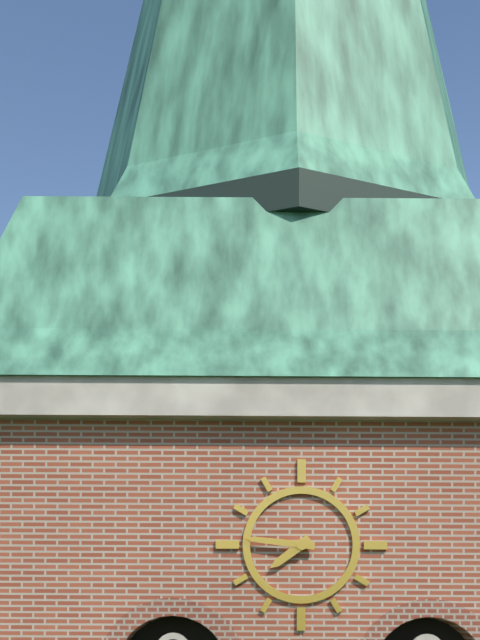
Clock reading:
{"hour": 7, "minute": 46}
